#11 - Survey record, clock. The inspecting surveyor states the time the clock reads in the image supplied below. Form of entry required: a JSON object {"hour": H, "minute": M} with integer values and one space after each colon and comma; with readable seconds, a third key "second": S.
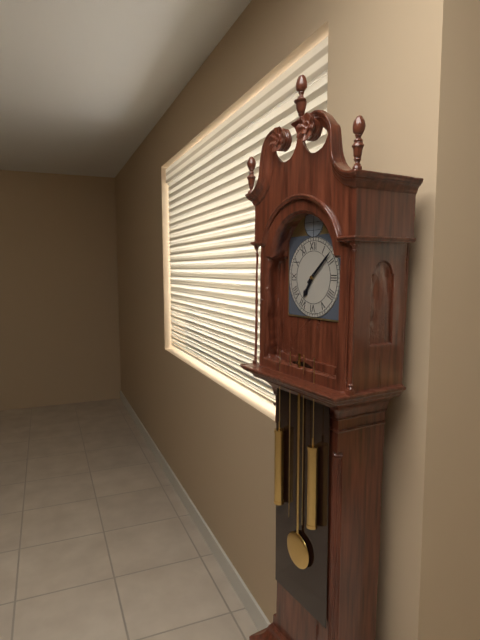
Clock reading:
{"hour": 7, "minute": 8}
